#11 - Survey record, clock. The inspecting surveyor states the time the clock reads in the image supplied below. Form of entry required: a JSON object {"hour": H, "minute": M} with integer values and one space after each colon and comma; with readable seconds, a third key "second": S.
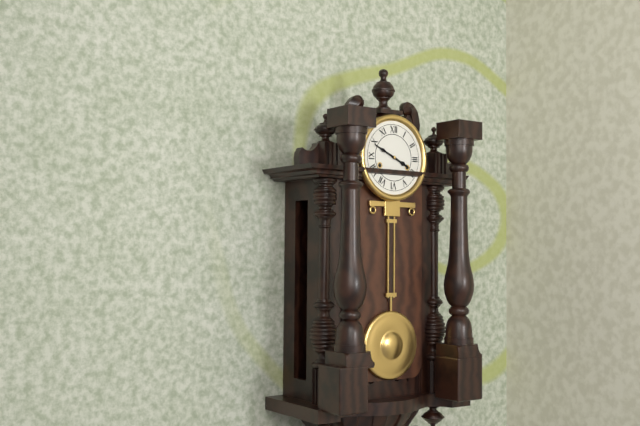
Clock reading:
{"hour": 3, "minute": 49}
